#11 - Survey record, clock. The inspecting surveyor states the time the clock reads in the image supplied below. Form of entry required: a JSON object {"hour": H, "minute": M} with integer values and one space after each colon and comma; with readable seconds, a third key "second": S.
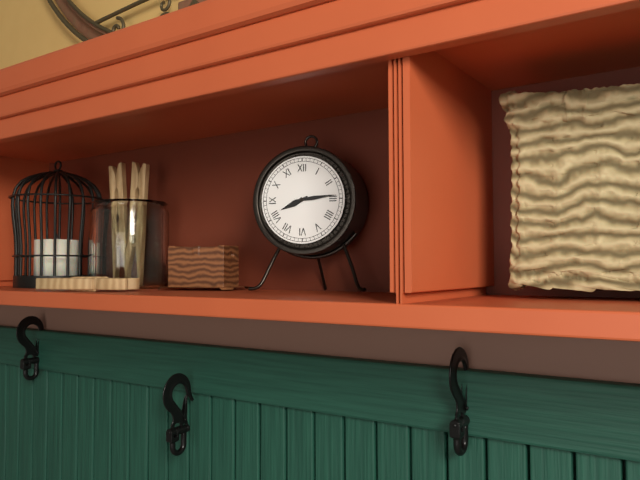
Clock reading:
{"hour": 8, "minute": 14}
